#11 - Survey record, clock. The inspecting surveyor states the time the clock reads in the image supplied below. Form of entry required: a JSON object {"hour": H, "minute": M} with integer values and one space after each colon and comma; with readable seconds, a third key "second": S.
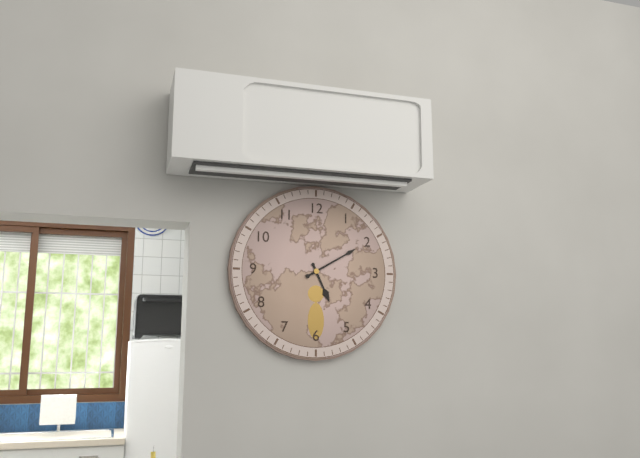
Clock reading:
{"hour": 5, "minute": 10}
